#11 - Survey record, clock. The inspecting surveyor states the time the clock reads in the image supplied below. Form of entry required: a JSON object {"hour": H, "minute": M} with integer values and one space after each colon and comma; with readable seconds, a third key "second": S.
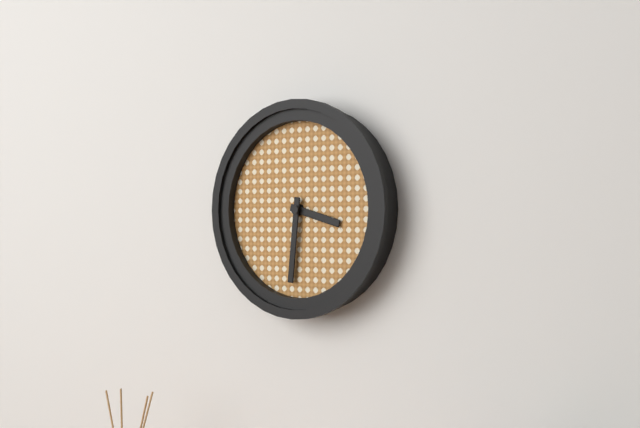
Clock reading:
{"hour": 3, "minute": 31}
